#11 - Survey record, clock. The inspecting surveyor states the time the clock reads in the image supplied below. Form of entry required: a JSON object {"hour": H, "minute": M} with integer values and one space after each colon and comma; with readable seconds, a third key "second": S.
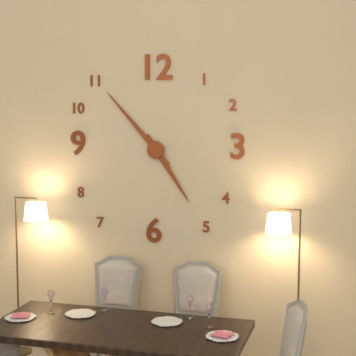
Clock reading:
{"hour": 4, "minute": 53}
